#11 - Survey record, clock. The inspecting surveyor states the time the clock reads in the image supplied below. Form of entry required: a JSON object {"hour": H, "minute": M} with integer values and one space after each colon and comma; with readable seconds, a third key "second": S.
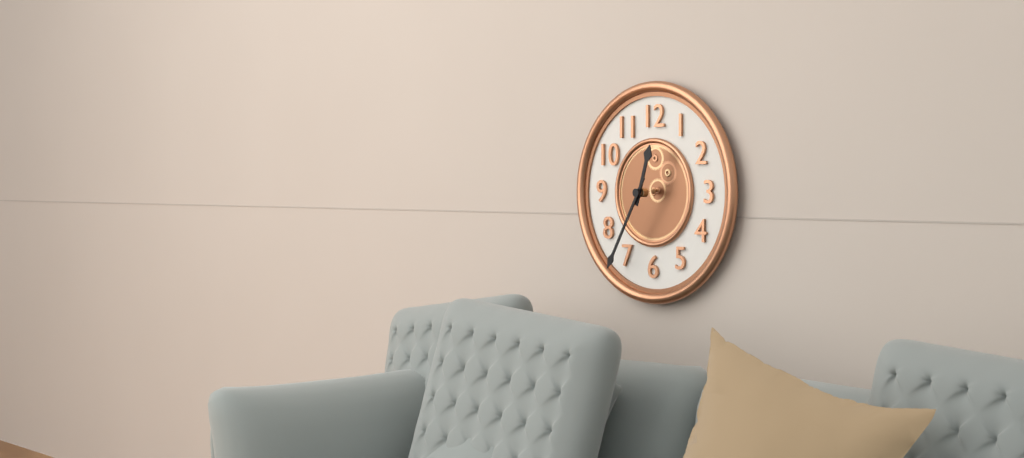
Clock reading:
{"hour": 12, "minute": 35}
